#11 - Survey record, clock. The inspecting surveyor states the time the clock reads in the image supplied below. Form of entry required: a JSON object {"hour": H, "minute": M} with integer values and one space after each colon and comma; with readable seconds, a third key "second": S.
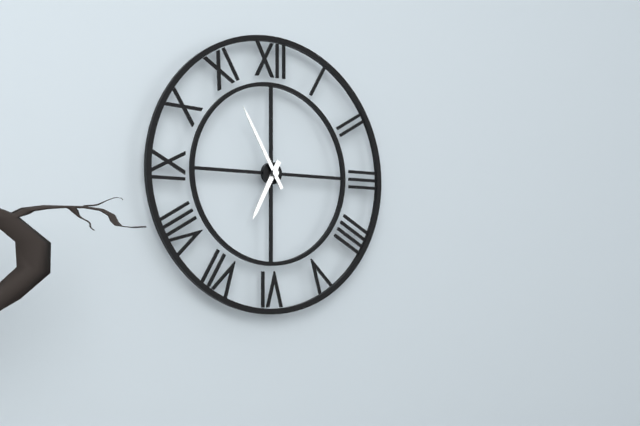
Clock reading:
{"hour": 6, "minute": 55}
